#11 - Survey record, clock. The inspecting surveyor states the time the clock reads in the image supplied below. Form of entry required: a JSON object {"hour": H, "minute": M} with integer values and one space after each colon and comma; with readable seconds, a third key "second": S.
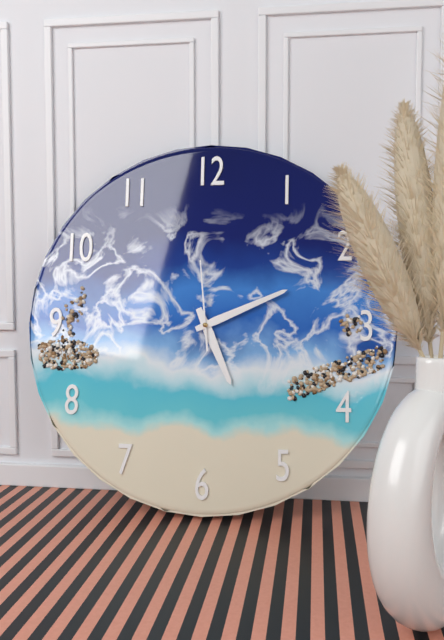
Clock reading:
{"hour": 5, "minute": 11, "second": 59}
